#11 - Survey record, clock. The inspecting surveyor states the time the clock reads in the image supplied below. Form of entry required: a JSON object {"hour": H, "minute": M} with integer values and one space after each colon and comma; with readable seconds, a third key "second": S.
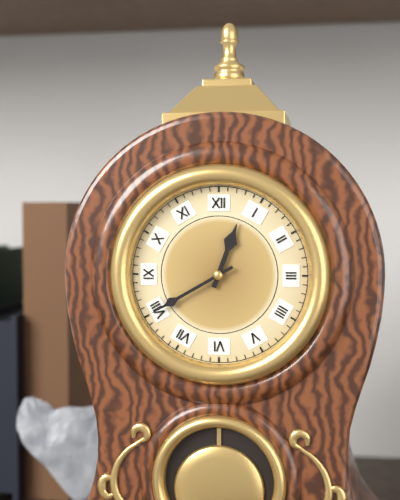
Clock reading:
{"hour": 12, "minute": 40}
